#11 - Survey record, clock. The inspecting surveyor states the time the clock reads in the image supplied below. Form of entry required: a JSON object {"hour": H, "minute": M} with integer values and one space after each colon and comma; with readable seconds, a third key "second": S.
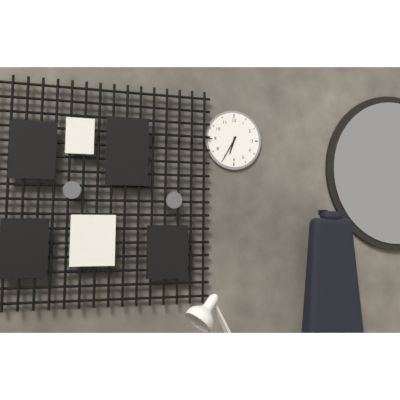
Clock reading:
{"hour": 6, "minute": 35}
